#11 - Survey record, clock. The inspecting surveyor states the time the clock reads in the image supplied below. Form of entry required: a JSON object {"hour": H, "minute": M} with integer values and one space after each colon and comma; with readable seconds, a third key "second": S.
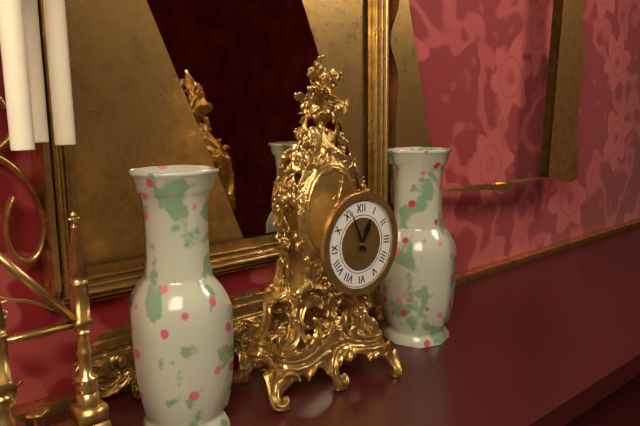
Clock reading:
{"hour": 12, "minute": 56}
